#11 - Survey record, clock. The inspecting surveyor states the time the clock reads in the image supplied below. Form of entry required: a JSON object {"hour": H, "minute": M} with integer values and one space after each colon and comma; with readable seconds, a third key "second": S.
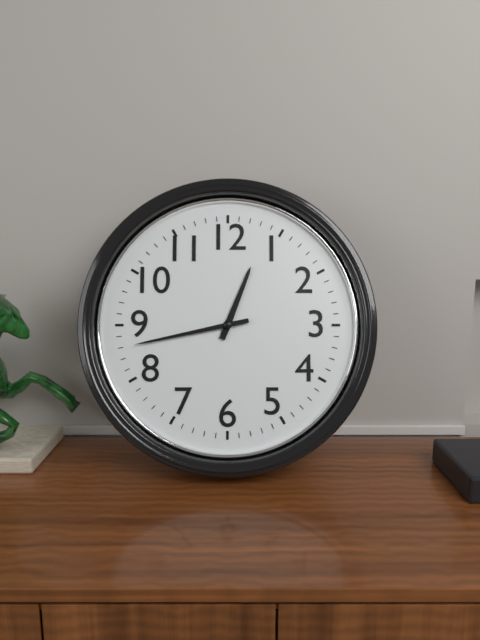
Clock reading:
{"hour": 12, "minute": 43}
